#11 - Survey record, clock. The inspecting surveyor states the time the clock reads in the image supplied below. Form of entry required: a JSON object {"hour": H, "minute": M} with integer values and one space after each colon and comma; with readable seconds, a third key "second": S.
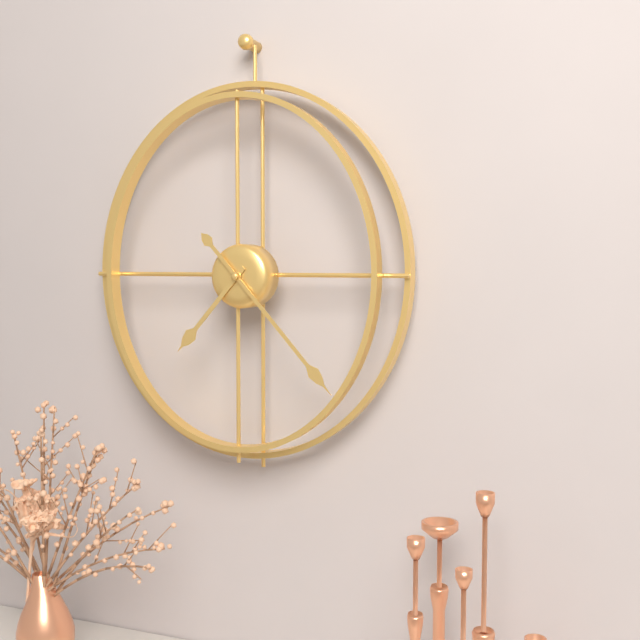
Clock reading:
{"hour": 7, "minute": 23}
